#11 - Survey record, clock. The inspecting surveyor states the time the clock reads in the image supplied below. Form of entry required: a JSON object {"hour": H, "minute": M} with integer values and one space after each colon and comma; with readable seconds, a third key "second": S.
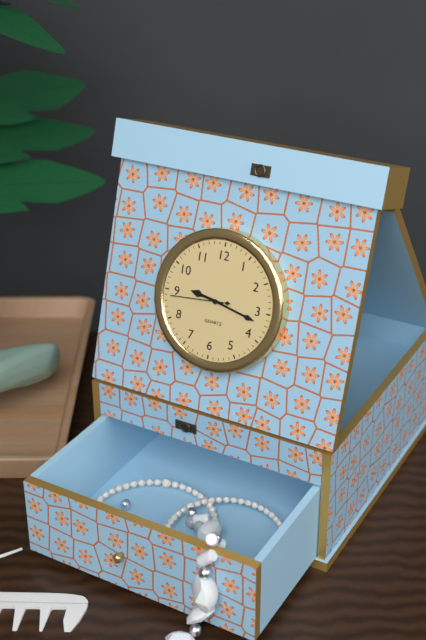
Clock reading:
{"hour": 9, "minute": 17, "second": 44}
